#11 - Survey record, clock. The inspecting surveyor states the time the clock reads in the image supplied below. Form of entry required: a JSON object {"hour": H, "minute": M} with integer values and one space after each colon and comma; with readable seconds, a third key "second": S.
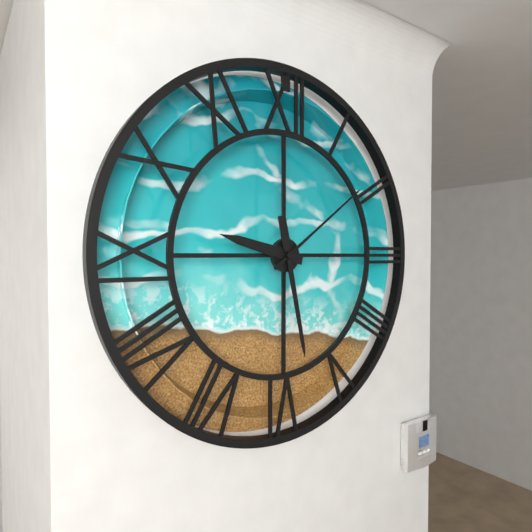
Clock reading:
{"hour": 9, "minute": 28, "second": 9}
